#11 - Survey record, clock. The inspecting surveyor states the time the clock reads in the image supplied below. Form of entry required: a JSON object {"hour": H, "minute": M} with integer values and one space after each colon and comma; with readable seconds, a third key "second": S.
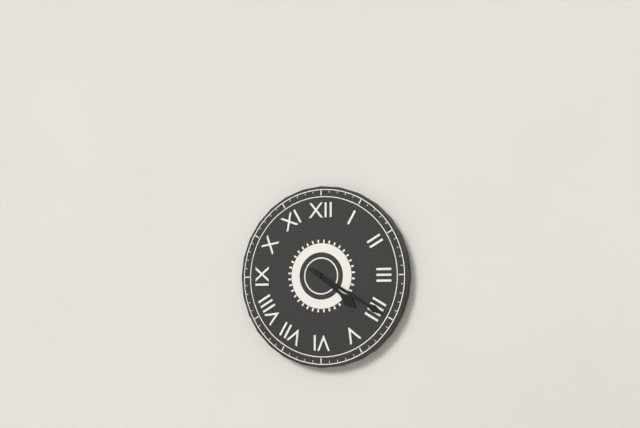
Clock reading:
{"hour": 4, "minute": 20}
